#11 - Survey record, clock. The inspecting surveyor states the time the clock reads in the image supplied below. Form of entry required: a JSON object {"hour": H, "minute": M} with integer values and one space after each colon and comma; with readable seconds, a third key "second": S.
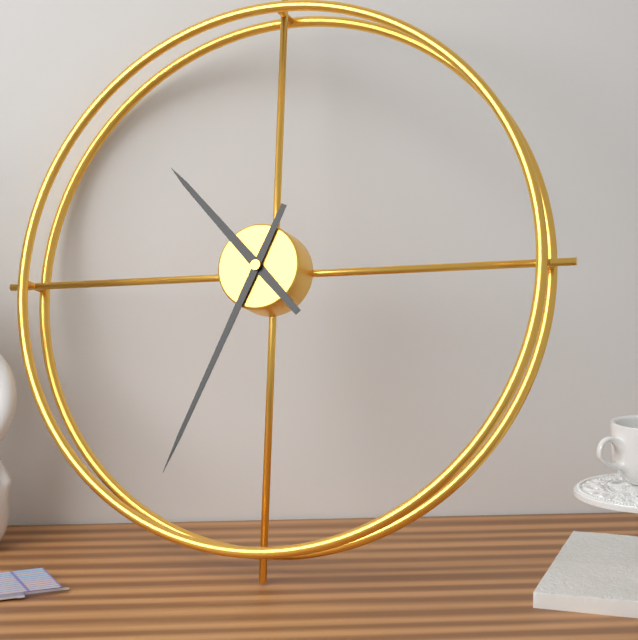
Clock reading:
{"hour": 10, "minute": 34}
